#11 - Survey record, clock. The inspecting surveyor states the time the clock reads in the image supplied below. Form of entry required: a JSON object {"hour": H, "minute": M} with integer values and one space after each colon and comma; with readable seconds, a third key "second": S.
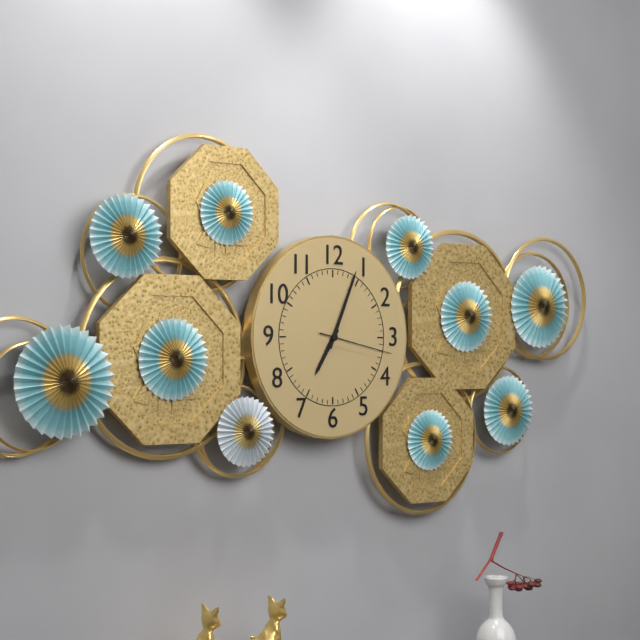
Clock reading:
{"hour": 7, "minute": 4, "second": 17}
